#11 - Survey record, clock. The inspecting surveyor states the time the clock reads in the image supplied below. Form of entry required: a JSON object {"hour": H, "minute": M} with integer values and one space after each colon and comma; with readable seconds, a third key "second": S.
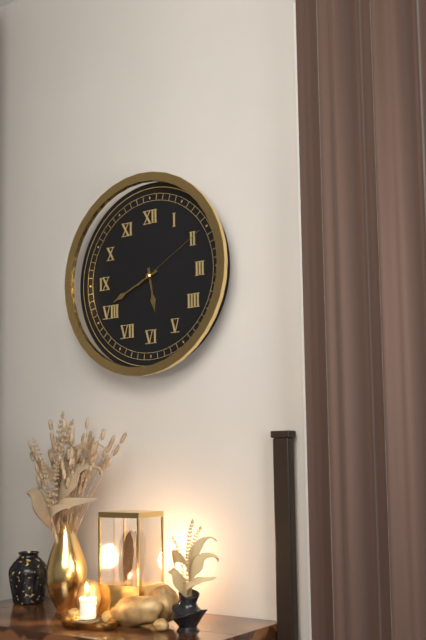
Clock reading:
{"hour": 5, "minute": 41, "second": 10}
